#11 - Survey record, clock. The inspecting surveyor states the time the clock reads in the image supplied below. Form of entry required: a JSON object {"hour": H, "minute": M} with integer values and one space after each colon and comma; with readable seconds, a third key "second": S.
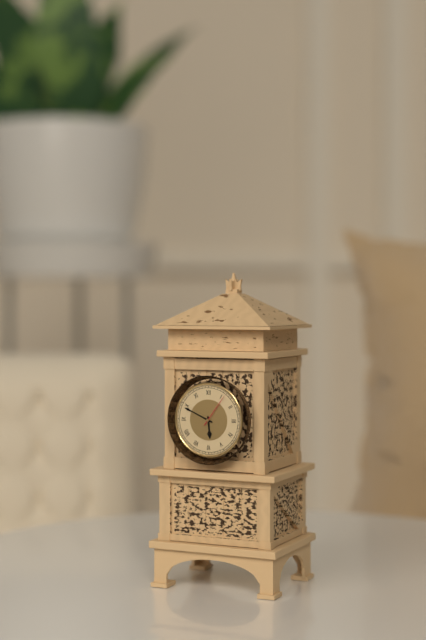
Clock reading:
{"hour": 5, "minute": 49}
